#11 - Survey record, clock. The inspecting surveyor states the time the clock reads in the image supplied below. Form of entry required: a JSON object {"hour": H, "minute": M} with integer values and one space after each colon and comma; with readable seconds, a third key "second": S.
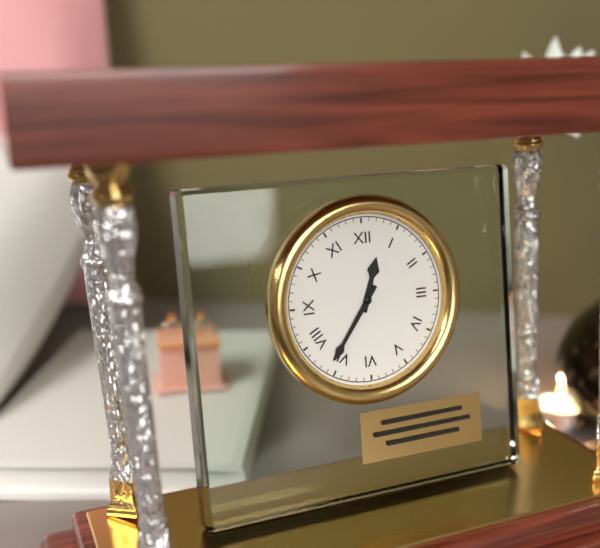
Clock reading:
{"hour": 12, "minute": 36}
